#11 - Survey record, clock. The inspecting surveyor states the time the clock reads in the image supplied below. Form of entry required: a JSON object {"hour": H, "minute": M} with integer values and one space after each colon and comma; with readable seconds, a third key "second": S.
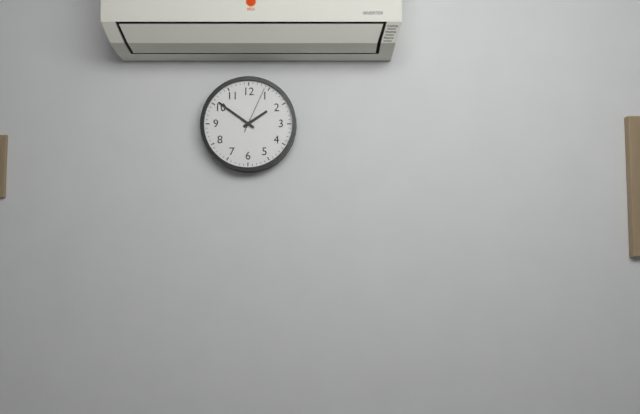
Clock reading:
{"hour": 1, "minute": 51, "second": 4}
